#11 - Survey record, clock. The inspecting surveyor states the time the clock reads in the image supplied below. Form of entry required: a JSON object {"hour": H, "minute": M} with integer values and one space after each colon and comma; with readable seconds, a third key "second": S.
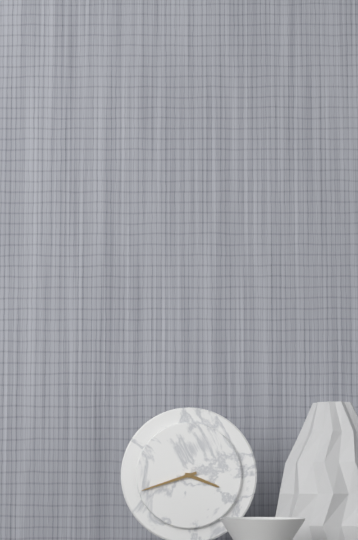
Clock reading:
{"hour": 3, "minute": 42}
